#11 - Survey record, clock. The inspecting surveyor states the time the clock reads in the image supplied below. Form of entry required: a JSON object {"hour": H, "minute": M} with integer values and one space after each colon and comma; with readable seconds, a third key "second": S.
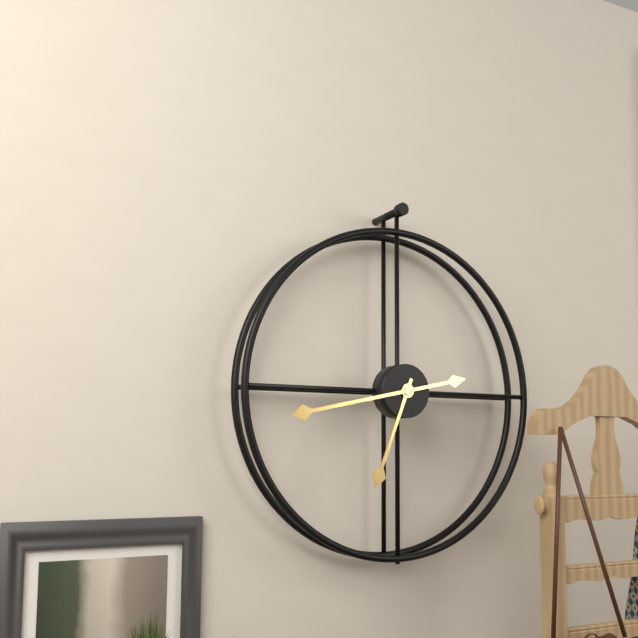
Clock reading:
{"hour": 6, "minute": 43}
